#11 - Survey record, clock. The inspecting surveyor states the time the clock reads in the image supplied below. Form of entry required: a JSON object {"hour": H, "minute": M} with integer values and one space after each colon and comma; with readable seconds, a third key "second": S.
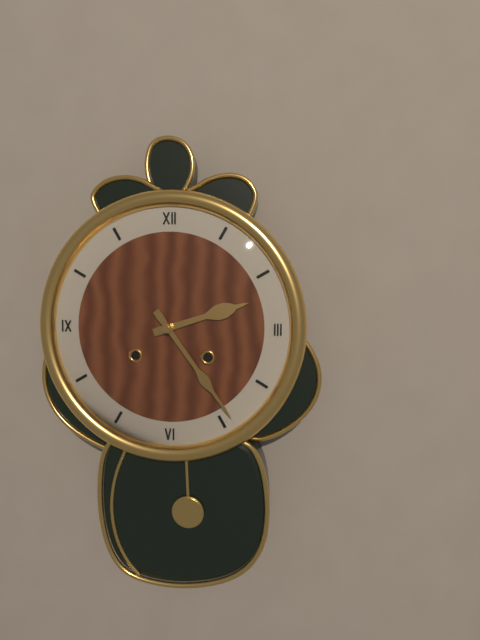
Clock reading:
{"hour": 2, "minute": 24}
